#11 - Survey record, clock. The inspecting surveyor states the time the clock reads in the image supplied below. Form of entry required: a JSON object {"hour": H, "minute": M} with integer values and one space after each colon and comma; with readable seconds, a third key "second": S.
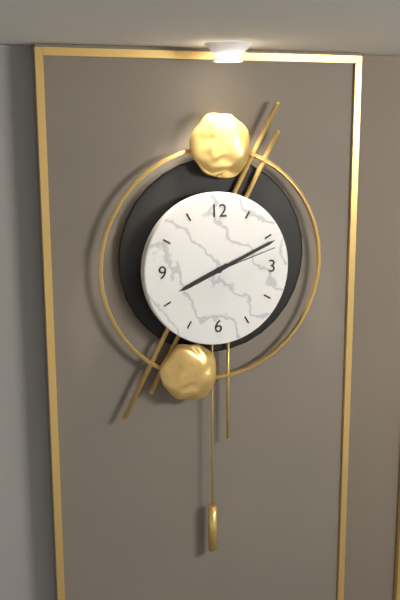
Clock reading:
{"hour": 8, "minute": 11, "second": 12}
